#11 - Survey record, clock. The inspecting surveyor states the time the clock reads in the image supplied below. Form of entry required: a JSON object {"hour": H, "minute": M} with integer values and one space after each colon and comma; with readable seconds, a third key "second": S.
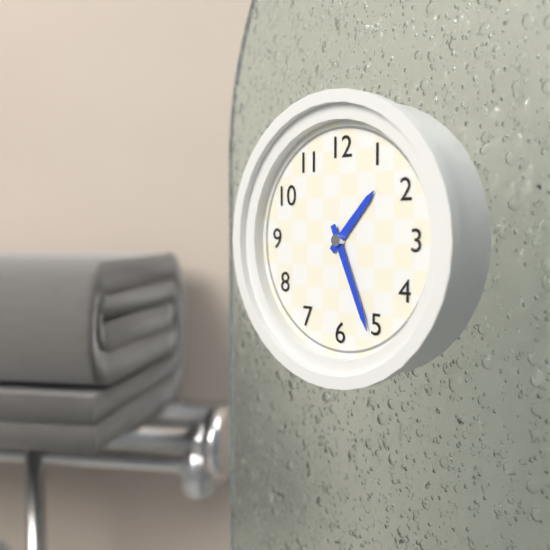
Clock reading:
{"hour": 1, "minute": 26}
